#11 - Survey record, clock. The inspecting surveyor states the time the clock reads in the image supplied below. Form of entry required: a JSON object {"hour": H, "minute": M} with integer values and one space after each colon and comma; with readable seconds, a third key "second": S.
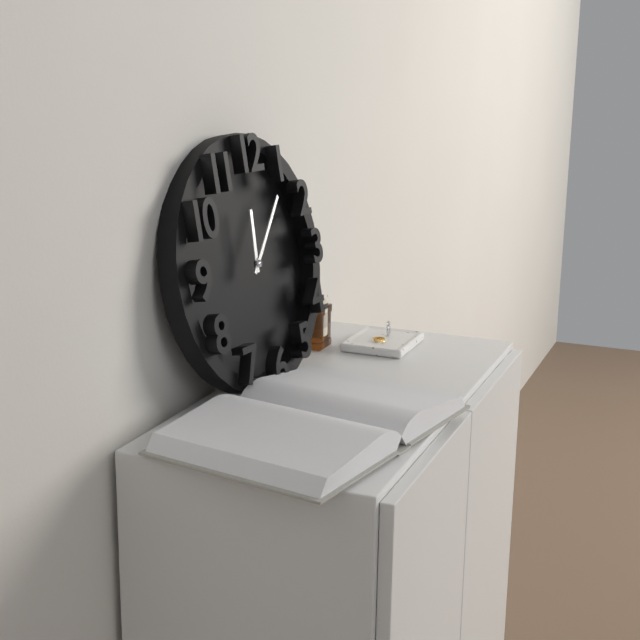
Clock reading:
{"hour": 12, "minute": 7}
